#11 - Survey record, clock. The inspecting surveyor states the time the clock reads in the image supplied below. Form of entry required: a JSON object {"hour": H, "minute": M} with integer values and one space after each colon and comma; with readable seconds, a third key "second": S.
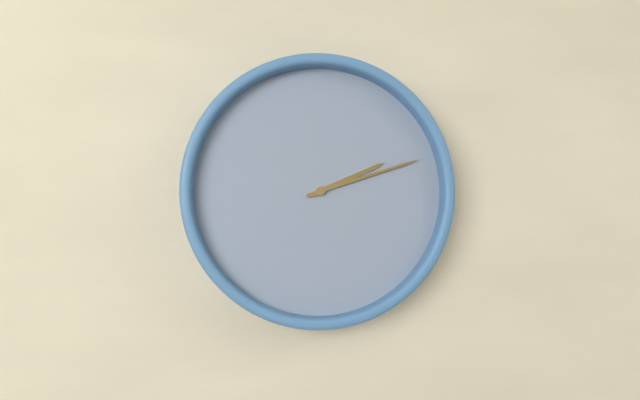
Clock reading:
{"hour": 2, "minute": 12}
